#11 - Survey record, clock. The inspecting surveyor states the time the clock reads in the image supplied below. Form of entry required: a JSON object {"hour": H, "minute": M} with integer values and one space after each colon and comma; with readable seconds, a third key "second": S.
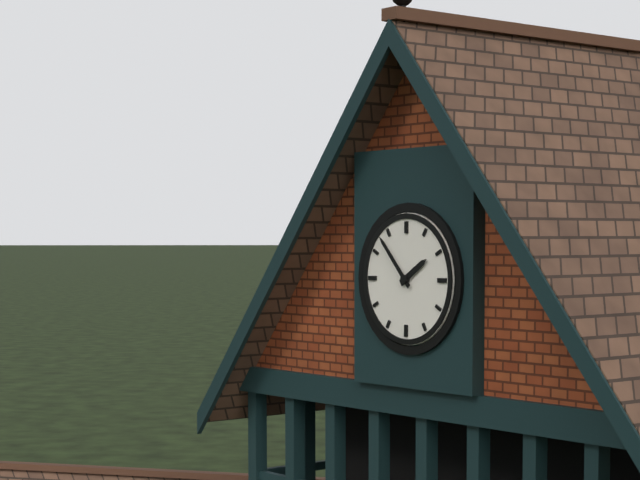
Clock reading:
{"hour": 1, "minute": 53}
